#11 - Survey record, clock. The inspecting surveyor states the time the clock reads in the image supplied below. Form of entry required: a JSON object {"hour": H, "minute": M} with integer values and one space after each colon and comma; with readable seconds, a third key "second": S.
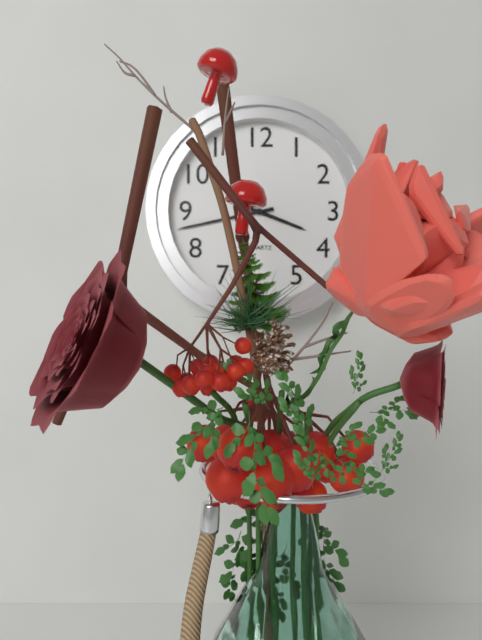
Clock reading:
{"hour": 3, "minute": 43}
